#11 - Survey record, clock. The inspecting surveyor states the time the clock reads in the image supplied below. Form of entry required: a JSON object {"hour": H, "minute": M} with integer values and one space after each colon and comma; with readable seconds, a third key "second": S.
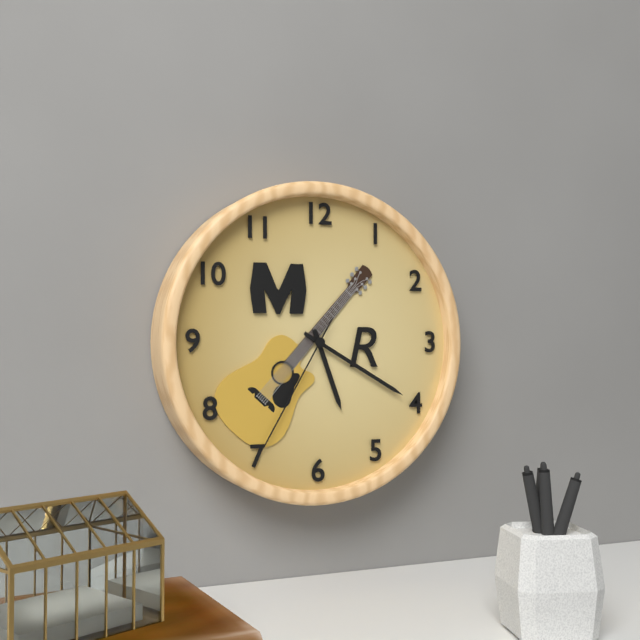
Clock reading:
{"hour": 5, "minute": 20, "second": 35}
